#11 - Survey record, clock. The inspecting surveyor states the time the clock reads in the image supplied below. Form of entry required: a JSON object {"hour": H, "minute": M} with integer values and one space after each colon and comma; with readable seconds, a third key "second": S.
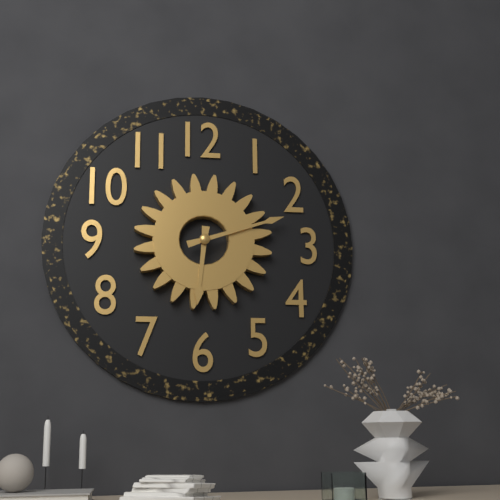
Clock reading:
{"hour": 6, "minute": 12}
